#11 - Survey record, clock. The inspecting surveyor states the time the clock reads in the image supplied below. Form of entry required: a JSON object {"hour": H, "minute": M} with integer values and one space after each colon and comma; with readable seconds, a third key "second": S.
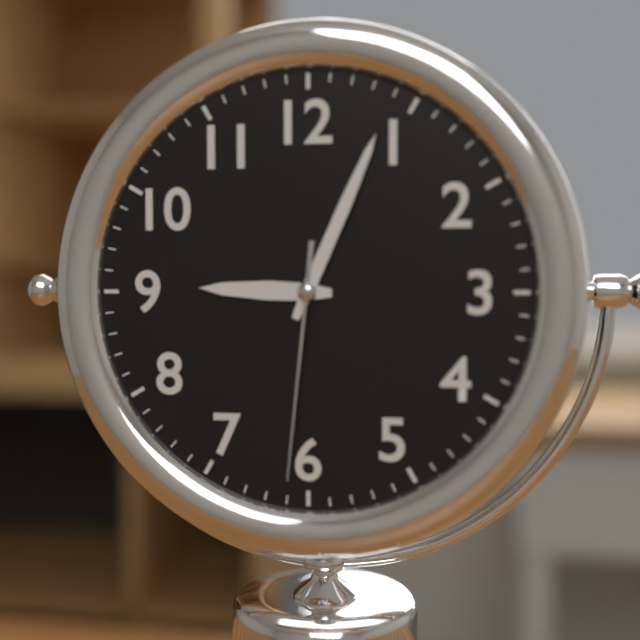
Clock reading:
{"hour": 9, "minute": 4, "second": 31}
